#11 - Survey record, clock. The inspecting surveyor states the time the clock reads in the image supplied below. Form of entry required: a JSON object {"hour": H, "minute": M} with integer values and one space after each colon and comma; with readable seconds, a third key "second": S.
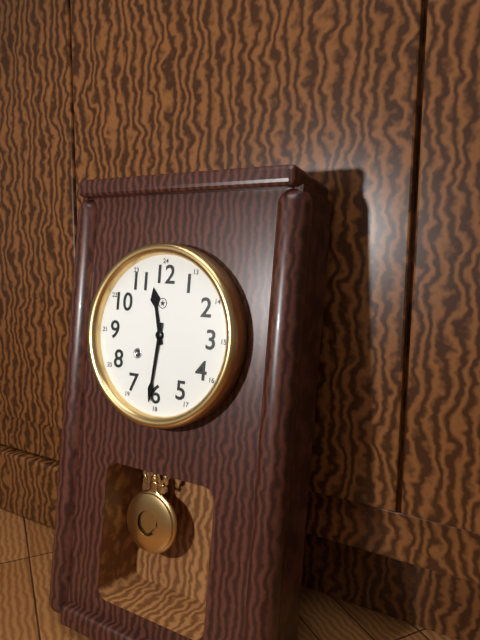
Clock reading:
{"hour": 11, "minute": 31}
